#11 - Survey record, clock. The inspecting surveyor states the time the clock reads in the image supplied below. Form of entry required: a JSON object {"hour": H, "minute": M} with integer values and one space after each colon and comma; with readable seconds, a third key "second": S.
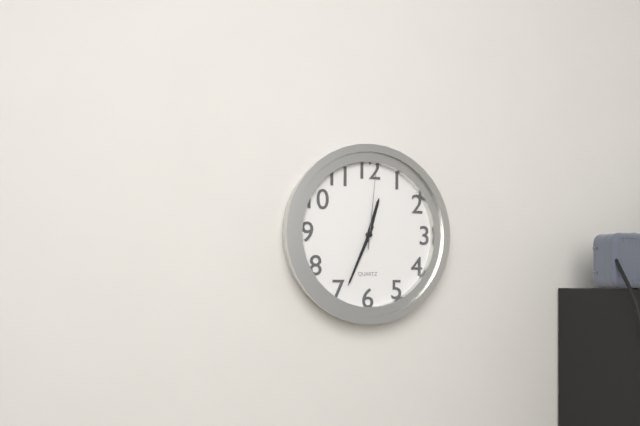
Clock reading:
{"hour": 12, "minute": 34, "second": 1}
